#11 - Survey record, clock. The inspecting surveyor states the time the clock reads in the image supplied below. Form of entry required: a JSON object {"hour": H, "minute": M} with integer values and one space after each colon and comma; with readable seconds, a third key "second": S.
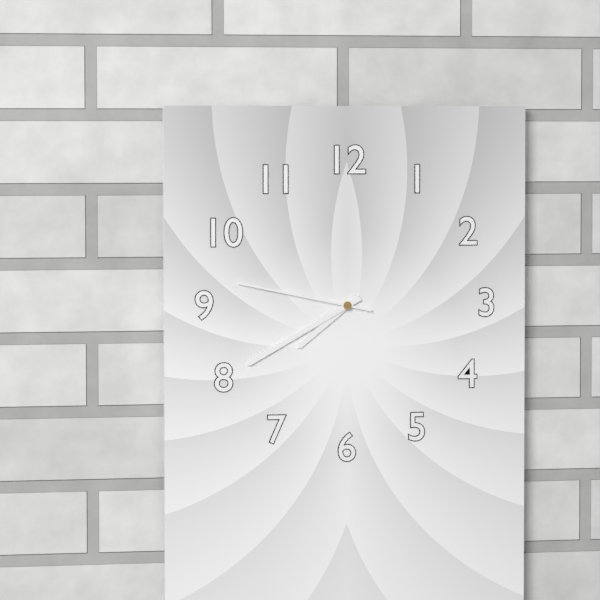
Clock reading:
{"hour": 7, "minute": 40, "second": 47}
